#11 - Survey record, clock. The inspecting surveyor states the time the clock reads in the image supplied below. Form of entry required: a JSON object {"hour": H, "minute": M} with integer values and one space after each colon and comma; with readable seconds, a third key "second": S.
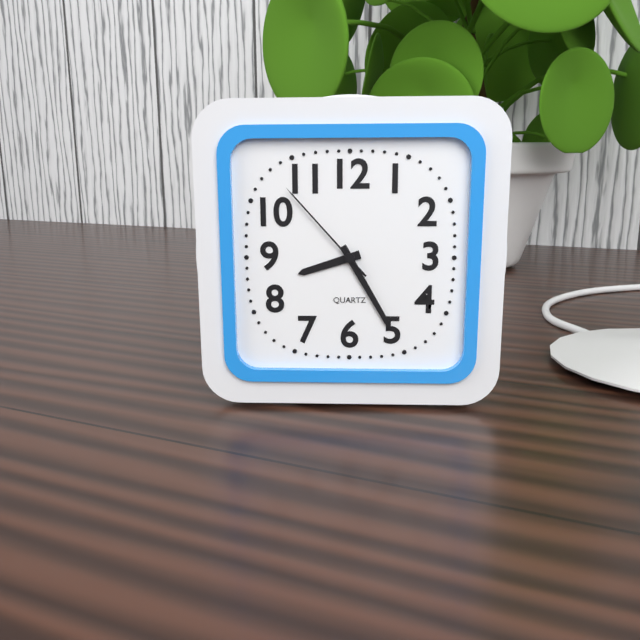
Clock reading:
{"hour": 8, "minute": 25, "second": 53}
